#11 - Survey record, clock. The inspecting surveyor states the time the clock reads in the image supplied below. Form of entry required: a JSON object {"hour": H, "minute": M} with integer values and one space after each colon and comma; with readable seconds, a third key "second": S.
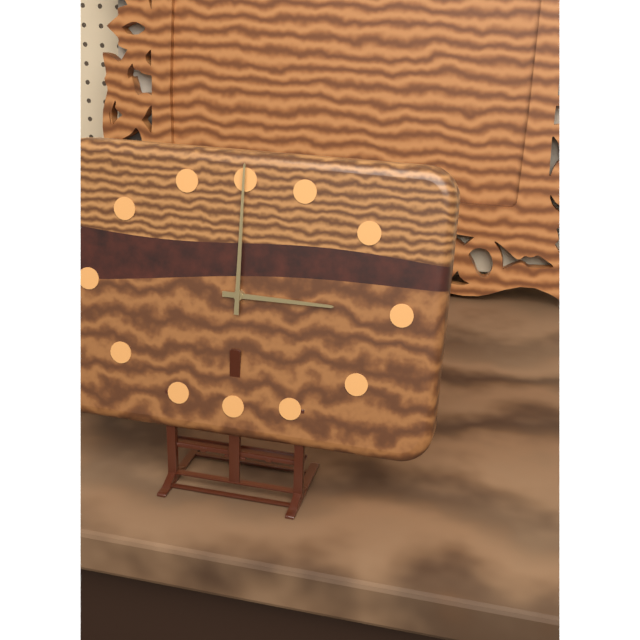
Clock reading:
{"hour": 3, "minute": 0}
